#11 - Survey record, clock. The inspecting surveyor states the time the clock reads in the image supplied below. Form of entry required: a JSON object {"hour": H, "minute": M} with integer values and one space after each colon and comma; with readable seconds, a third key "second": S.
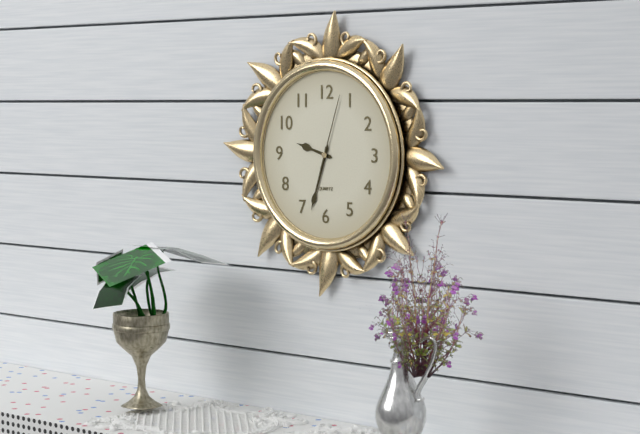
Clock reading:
{"hour": 9, "minute": 33, "second": 3}
